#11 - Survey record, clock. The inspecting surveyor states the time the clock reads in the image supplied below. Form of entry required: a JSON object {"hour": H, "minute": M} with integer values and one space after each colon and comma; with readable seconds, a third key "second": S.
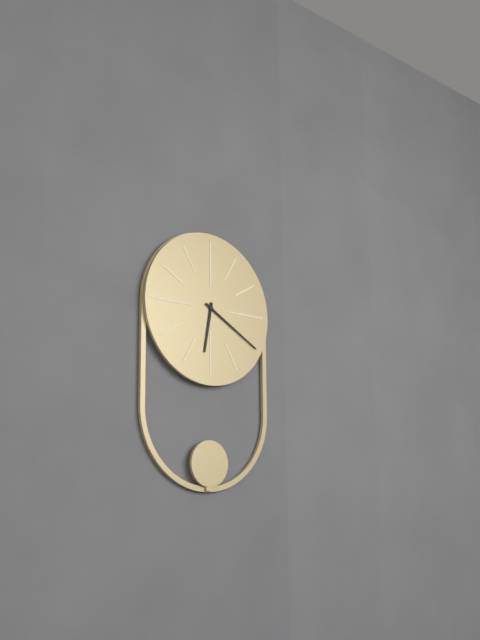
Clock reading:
{"hour": 6, "minute": 20}
